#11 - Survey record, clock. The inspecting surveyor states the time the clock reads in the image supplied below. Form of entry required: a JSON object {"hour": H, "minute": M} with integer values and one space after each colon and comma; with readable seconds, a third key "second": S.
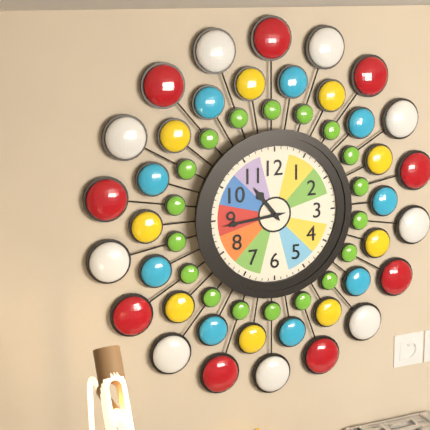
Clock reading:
{"hour": 10, "minute": 44}
